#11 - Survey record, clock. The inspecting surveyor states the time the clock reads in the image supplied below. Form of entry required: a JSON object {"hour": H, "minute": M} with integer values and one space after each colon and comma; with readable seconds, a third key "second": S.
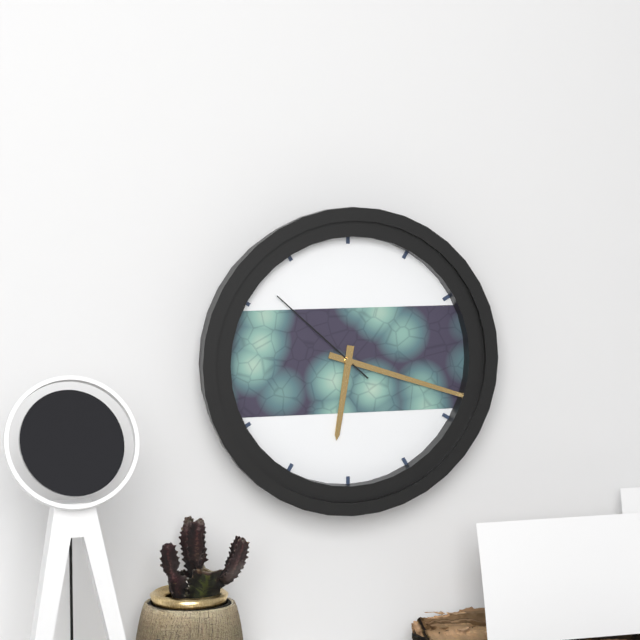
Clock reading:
{"hour": 6, "minute": 18, "second": 52}
